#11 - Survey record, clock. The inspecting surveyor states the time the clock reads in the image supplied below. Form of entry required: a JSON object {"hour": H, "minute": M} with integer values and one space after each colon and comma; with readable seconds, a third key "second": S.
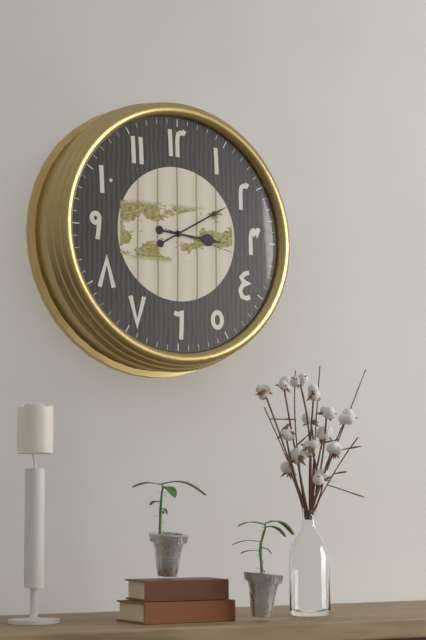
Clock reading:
{"hour": 3, "minute": 10, "second": 17}
